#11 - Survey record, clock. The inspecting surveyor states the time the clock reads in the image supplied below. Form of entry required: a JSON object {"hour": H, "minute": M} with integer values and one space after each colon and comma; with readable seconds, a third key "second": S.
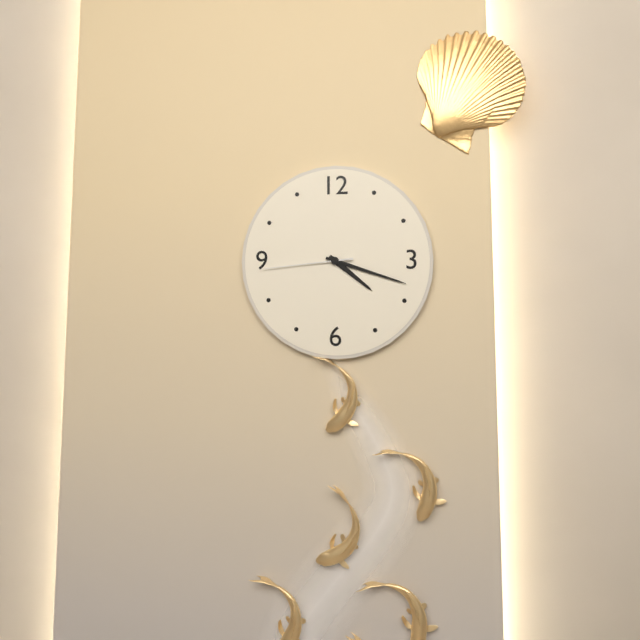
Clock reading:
{"hour": 4, "minute": 18, "second": 44}
